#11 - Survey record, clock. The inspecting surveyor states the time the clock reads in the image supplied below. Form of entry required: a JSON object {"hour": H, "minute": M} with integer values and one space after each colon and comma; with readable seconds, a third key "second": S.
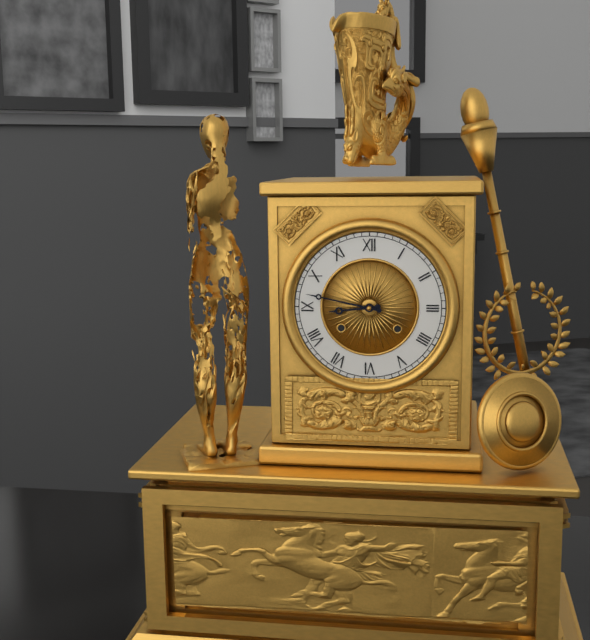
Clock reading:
{"hour": 8, "minute": 47}
